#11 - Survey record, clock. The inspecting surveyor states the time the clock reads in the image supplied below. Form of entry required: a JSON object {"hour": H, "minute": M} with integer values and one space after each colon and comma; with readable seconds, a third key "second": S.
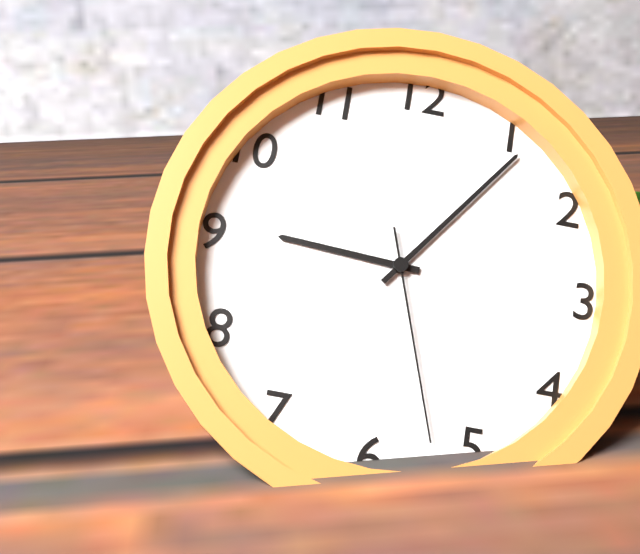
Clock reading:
{"hour": 9, "minute": 6, "second": 27}
